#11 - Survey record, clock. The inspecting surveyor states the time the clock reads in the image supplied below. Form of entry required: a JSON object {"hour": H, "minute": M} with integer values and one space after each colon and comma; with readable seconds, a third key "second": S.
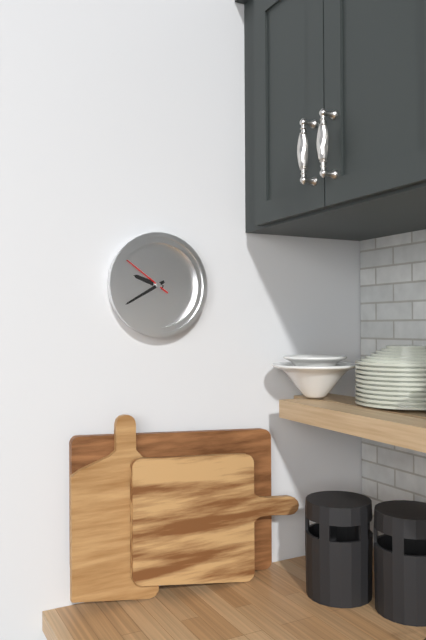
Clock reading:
{"hour": 9, "minute": 40}
